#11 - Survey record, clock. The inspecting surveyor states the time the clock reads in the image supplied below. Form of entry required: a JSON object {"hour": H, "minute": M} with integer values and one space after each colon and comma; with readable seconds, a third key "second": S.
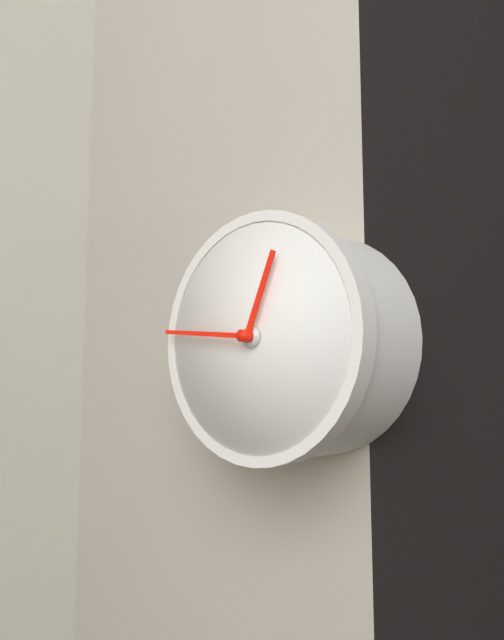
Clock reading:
{"hour": 12, "minute": 46}
